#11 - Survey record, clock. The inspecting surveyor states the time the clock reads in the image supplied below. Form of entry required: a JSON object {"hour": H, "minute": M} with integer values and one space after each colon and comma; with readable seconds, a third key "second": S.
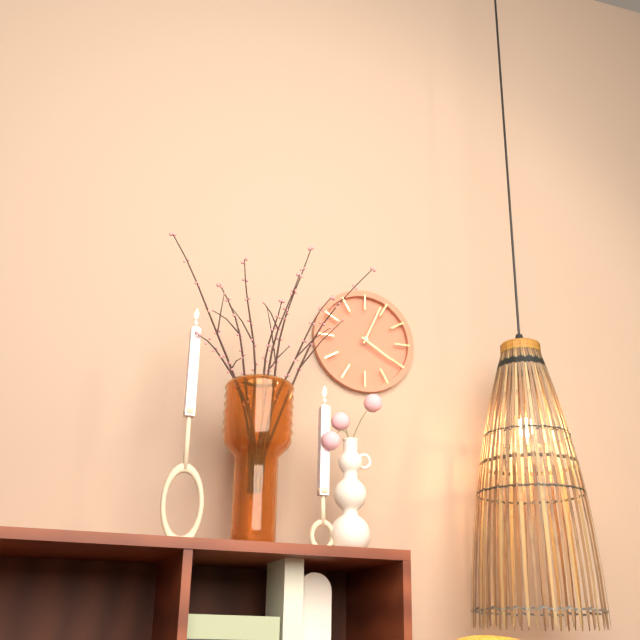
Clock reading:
{"hour": 4, "minute": 4}
